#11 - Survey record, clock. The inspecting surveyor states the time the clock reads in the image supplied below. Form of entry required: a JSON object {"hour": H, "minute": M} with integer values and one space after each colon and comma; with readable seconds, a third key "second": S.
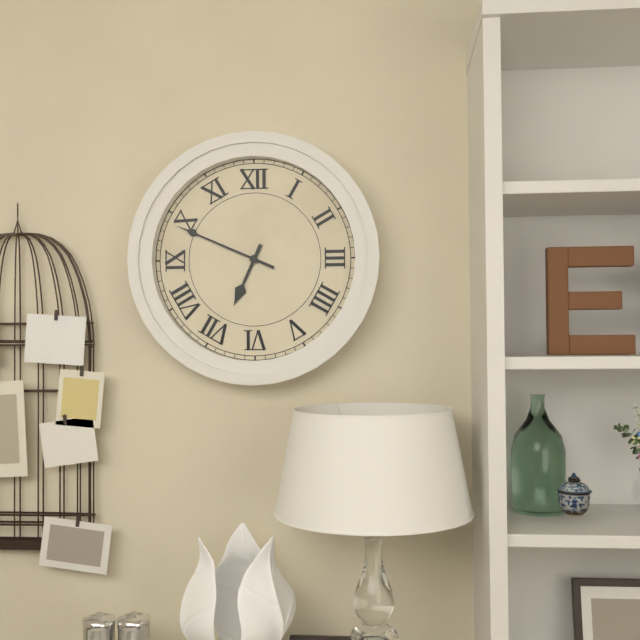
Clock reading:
{"hour": 6, "minute": 49}
